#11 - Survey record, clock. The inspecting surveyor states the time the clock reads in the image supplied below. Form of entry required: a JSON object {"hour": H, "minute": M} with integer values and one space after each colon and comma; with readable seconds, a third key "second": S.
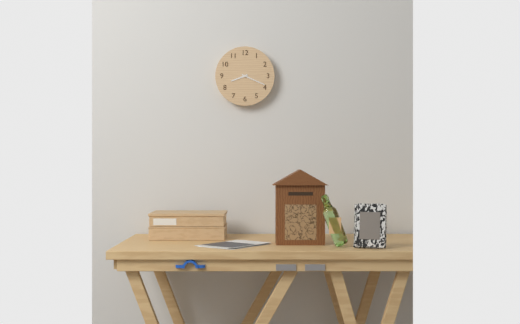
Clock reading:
{"hour": 8, "minute": 19}
